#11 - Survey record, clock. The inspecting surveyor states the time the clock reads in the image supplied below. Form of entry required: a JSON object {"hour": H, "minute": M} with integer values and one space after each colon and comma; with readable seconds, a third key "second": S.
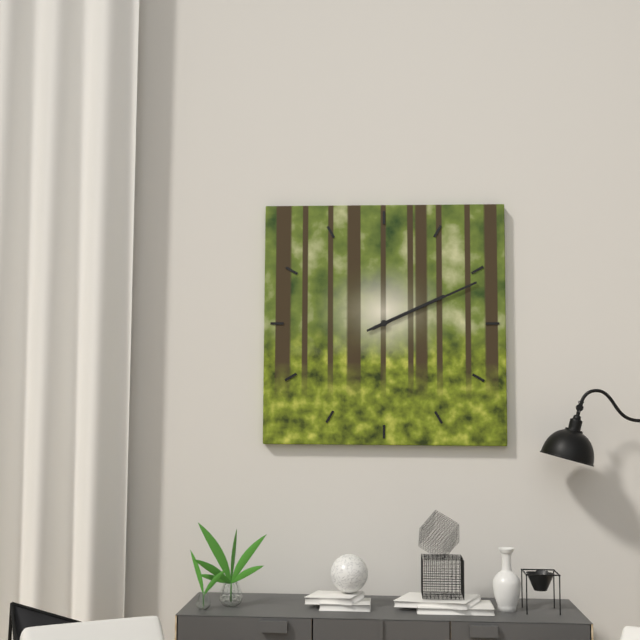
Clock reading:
{"hour": 2, "minute": 11}
